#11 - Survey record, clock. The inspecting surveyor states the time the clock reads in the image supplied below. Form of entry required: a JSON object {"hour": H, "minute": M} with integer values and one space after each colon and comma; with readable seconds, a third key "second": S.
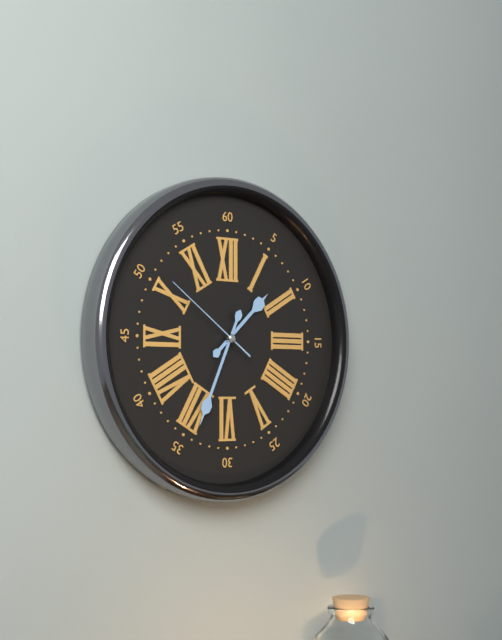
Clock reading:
{"hour": 1, "minute": 34, "second": 51}
